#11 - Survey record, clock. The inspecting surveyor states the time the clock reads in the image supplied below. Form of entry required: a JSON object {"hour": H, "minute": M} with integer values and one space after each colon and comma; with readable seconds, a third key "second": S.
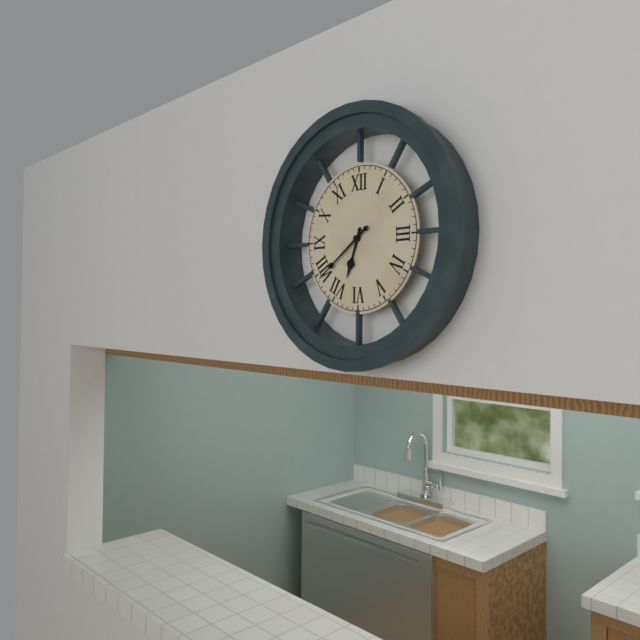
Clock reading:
{"hour": 6, "minute": 39}
